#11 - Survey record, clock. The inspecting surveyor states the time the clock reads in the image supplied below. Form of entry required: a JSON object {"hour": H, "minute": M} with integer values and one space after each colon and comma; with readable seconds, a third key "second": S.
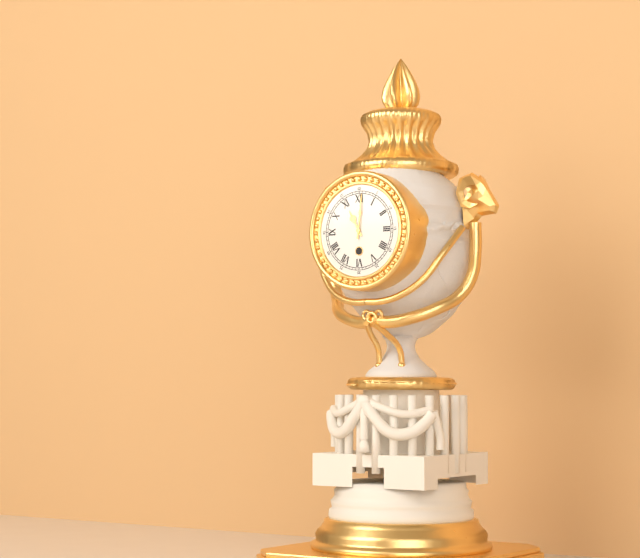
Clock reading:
{"hour": 11, "minute": 1}
